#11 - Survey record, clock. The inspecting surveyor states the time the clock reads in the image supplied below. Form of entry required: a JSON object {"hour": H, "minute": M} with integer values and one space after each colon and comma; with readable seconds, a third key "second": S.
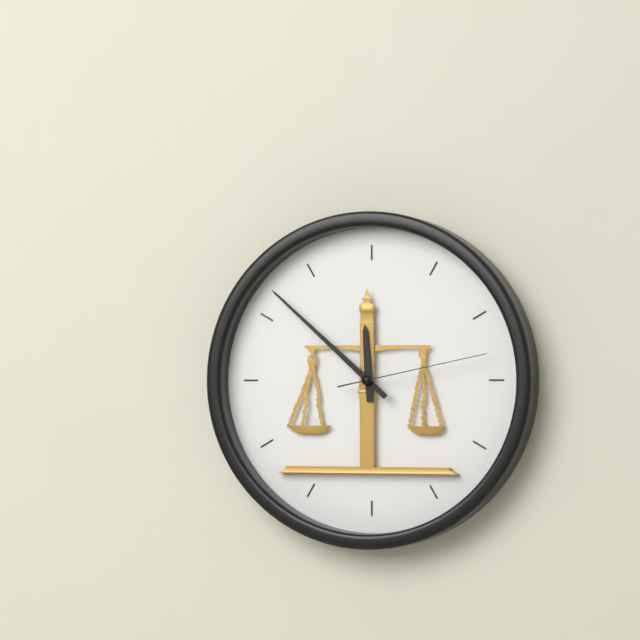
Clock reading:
{"hour": 11, "minute": 52, "second": 13}
